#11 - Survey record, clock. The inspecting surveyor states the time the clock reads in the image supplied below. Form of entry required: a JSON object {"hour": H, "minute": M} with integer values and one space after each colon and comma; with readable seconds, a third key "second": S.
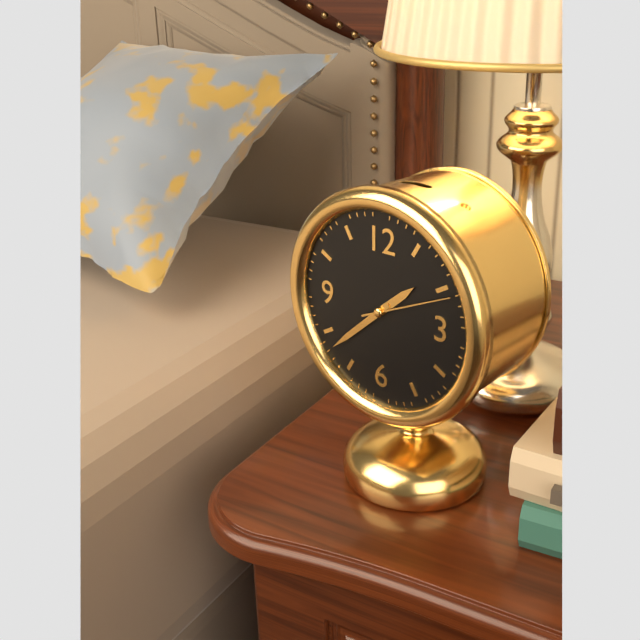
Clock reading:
{"hour": 1, "minute": 38, "second": 11}
